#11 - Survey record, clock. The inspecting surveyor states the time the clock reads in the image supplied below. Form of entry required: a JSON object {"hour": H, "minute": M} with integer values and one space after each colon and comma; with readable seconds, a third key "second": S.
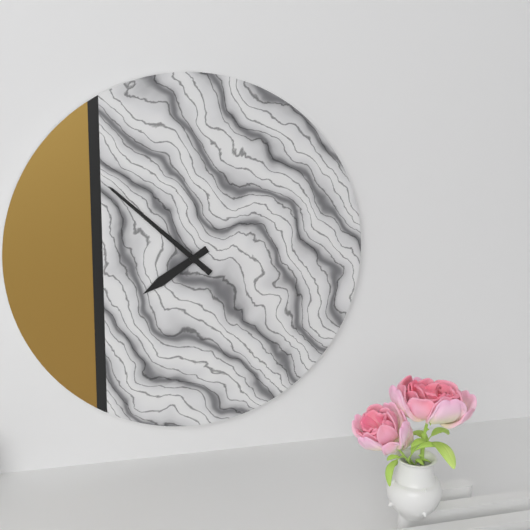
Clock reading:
{"hour": 7, "minute": 52}
